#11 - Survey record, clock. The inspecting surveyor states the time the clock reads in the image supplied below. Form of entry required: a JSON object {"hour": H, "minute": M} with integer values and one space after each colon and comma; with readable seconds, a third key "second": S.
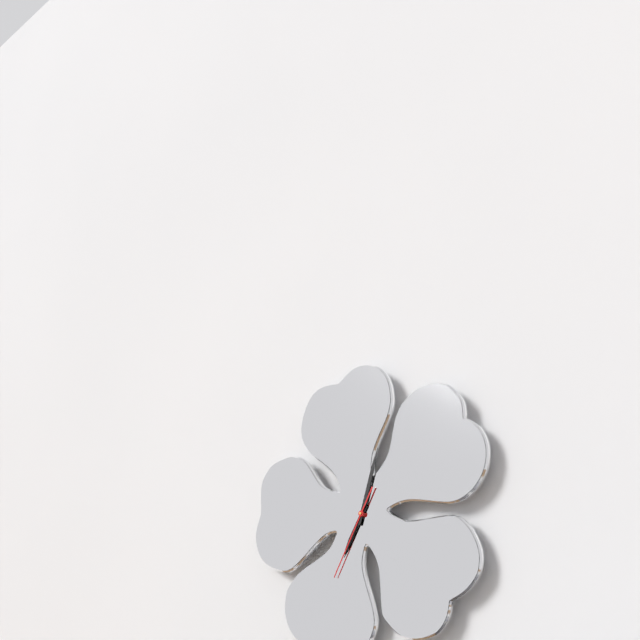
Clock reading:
{"hour": 7, "minute": 3, "second": 35}
